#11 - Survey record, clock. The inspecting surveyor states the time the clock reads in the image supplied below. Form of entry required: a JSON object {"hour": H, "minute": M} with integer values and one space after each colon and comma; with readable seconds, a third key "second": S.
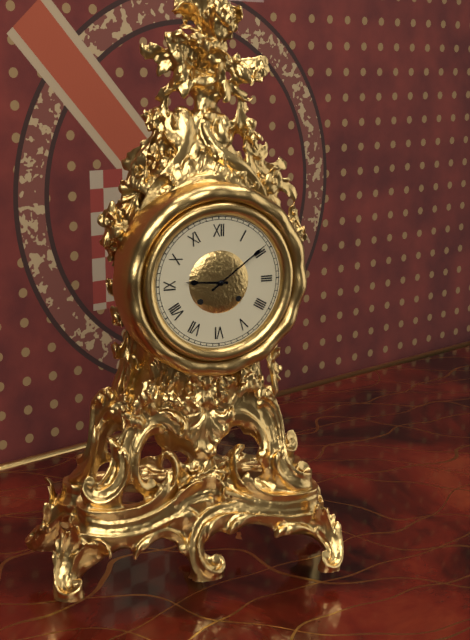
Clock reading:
{"hour": 9, "minute": 9}
